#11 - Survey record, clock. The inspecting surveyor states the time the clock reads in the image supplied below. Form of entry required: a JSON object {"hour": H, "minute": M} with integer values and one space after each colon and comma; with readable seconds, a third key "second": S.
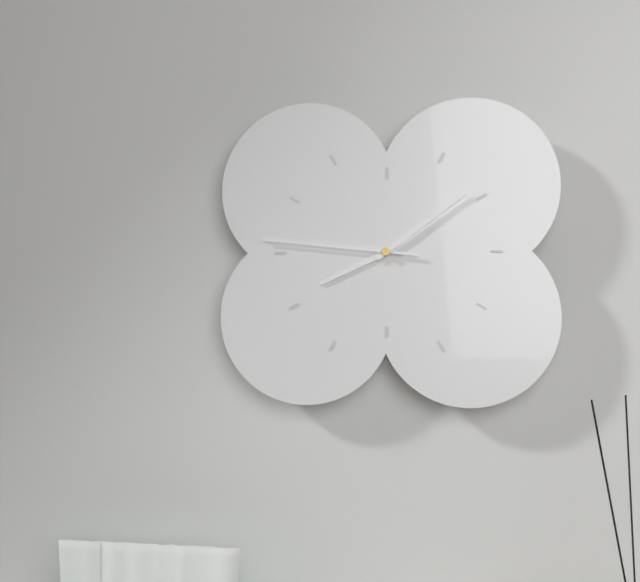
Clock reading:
{"hour": 8, "minute": 9, "second": 46}
